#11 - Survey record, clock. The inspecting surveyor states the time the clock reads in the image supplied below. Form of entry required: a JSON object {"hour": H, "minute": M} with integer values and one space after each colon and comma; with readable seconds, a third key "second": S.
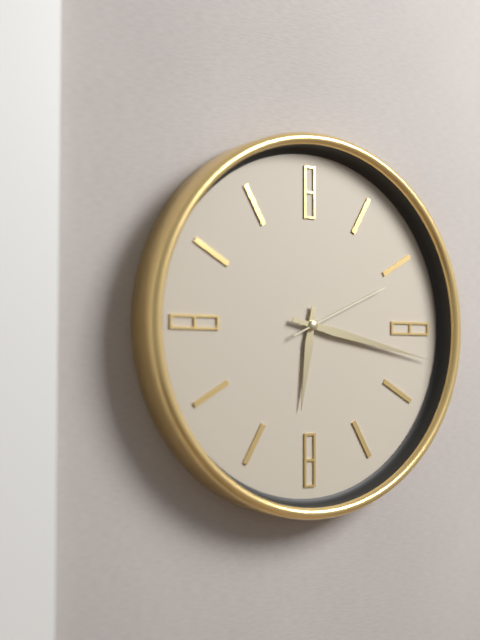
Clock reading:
{"hour": 6, "minute": 17, "second": 11}
